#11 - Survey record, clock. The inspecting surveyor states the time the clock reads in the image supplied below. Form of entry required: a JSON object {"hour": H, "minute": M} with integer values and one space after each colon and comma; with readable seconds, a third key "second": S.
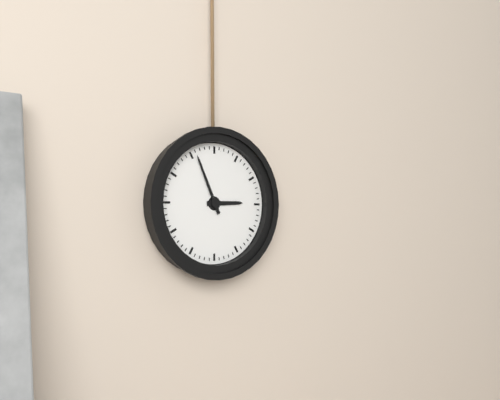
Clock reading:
{"hour": 2, "minute": 56}
